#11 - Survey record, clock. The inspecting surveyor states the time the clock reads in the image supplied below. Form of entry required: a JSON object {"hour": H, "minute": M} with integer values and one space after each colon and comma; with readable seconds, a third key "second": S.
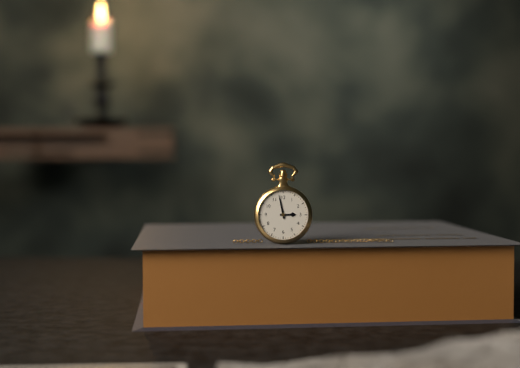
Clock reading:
{"hour": 2, "minute": 58}
